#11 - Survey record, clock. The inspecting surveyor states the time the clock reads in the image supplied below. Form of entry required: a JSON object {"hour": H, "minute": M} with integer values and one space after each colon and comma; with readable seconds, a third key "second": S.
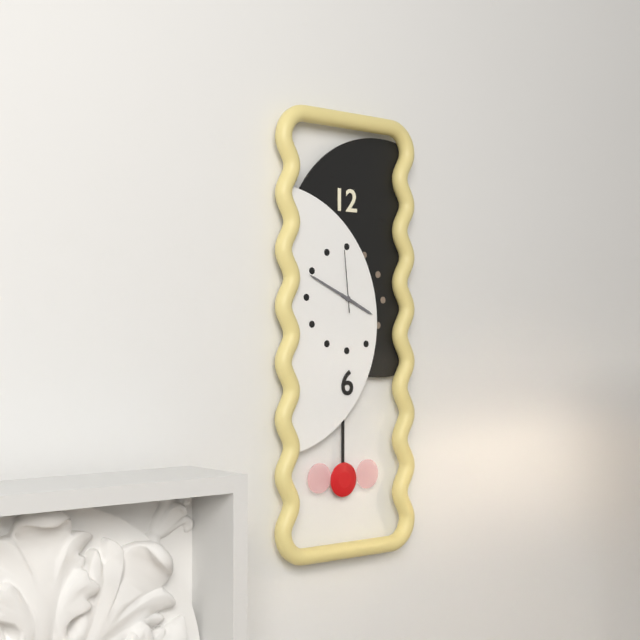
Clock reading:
{"hour": 3, "minute": 49, "second": 59}
